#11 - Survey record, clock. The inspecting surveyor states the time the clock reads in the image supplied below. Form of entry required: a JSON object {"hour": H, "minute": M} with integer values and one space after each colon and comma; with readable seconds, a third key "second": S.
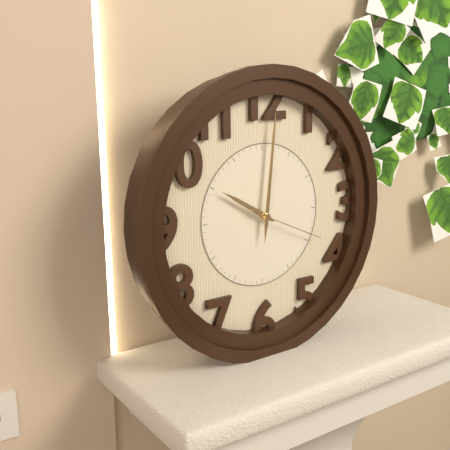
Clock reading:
{"hour": 10, "minute": 1, "second": 19}
